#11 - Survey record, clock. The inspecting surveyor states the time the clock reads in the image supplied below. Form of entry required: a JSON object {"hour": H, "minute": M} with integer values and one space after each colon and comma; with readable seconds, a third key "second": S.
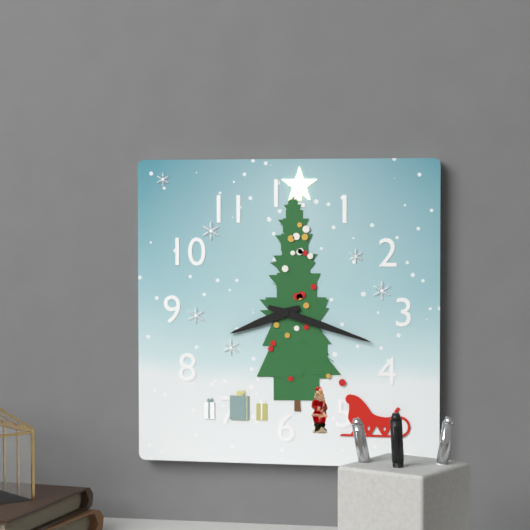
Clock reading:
{"hour": 8, "minute": 18}
